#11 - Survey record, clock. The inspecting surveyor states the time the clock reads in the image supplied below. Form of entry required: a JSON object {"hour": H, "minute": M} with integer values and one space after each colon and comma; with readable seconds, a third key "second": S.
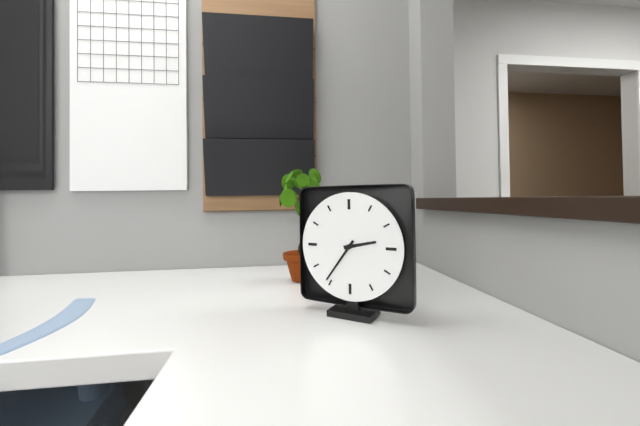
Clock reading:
{"hour": 2, "minute": 36}
